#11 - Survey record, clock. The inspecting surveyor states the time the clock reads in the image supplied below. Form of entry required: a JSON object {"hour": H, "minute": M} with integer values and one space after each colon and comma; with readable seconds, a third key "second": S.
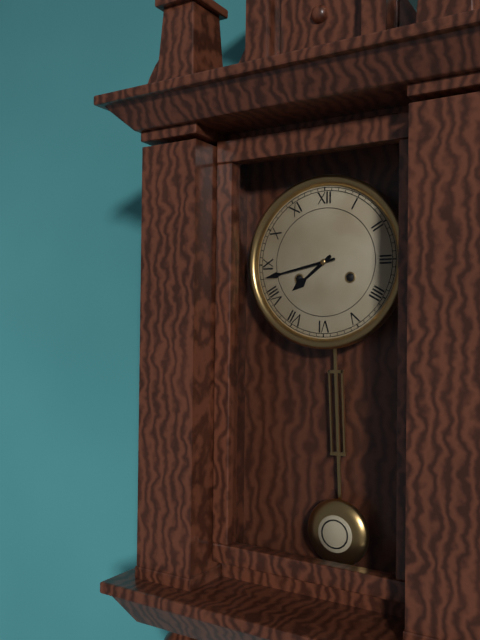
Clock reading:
{"hour": 7, "minute": 43}
